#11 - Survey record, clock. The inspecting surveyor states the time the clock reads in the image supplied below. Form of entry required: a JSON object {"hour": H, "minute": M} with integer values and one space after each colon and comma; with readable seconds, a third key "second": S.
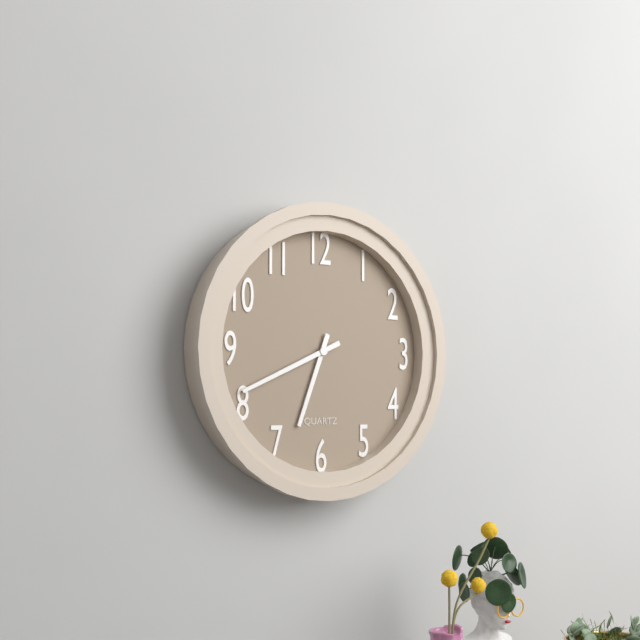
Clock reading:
{"hour": 6, "minute": 41}
